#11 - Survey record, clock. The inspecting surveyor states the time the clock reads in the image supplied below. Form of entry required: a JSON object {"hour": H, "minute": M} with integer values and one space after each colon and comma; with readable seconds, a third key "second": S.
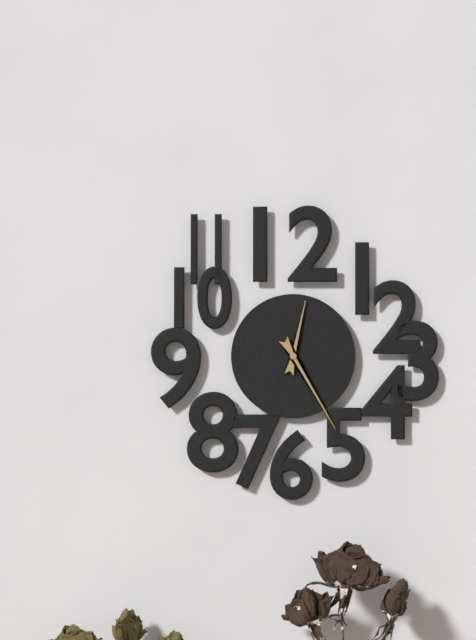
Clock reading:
{"hour": 12, "minute": 25}
